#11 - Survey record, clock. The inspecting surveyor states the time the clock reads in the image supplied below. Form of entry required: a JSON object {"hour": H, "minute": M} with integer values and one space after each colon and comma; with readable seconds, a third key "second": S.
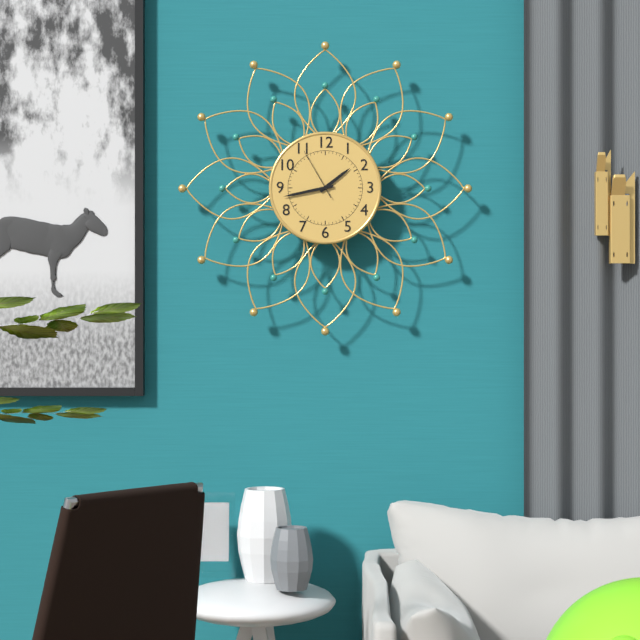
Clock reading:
{"hour": 1, "minute": 43, "second": 55}
